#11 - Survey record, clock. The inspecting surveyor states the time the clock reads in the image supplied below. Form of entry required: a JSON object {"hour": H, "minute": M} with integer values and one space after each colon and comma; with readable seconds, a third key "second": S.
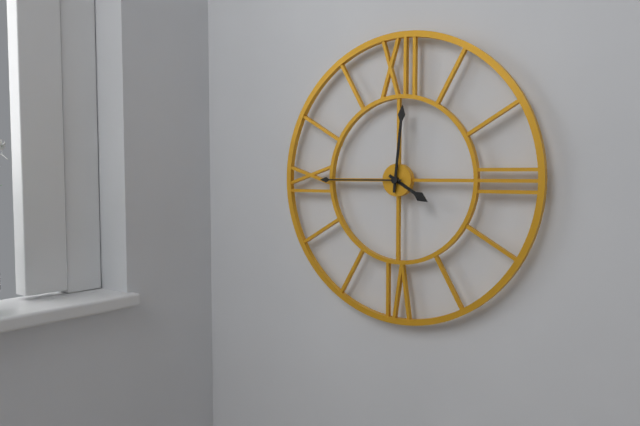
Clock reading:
{"hour": 4, "minute": 1, "second": 45}
